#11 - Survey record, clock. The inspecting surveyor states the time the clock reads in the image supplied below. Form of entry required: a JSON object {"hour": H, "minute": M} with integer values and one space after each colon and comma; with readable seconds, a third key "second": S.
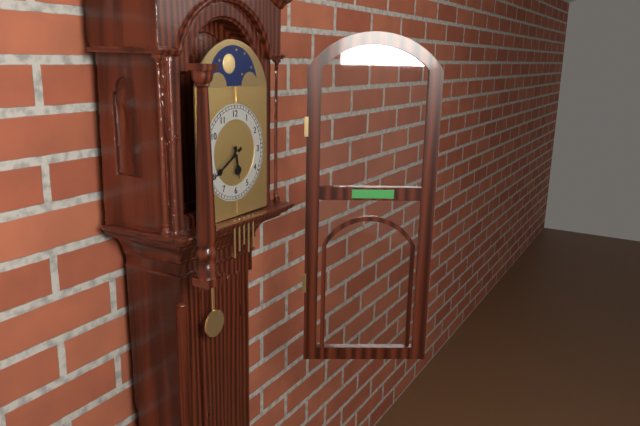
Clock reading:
{"hour": 5, "minute": 40}
